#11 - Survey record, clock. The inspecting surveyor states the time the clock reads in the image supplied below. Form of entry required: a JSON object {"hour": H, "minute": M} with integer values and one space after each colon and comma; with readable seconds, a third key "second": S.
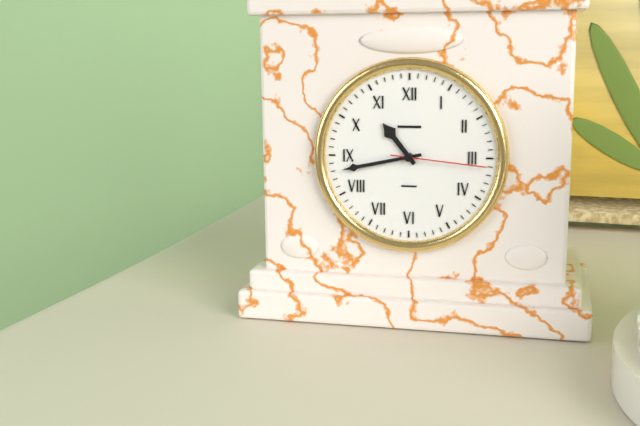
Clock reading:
{"hour": 10, "minute": 43, "second": 16}
